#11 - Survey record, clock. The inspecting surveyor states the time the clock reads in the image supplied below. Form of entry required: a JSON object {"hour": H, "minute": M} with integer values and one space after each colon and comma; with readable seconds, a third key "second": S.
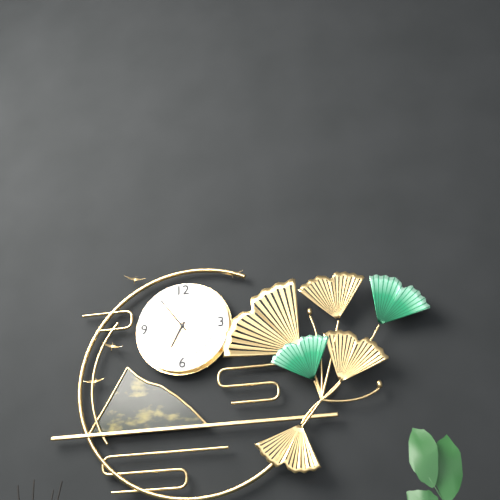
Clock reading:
{"hour": 6, "minute": 54}
